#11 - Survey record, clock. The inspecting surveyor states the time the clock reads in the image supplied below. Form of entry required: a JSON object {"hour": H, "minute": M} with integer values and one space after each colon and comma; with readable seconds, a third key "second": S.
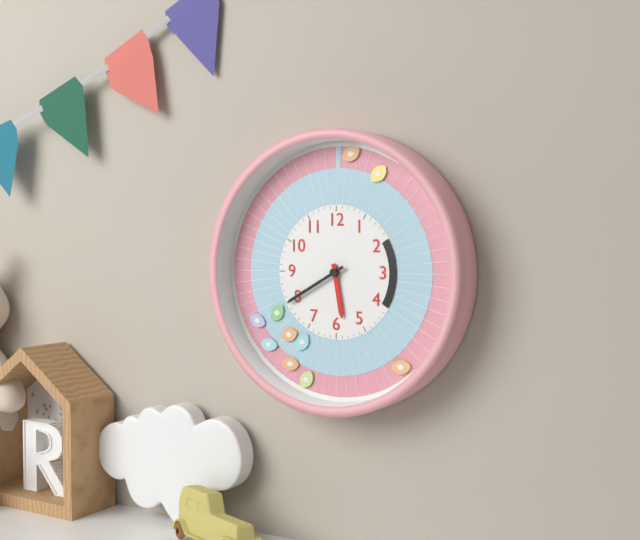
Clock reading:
{"hour": 5, "minute": 40}
